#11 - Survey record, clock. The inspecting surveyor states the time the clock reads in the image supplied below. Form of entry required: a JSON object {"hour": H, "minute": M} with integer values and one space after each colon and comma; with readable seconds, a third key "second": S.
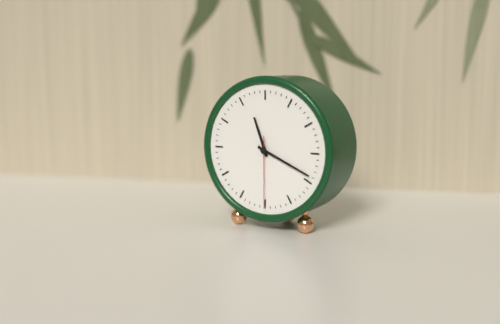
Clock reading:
{"hour": 11, "minute": 19, "second": 30}
